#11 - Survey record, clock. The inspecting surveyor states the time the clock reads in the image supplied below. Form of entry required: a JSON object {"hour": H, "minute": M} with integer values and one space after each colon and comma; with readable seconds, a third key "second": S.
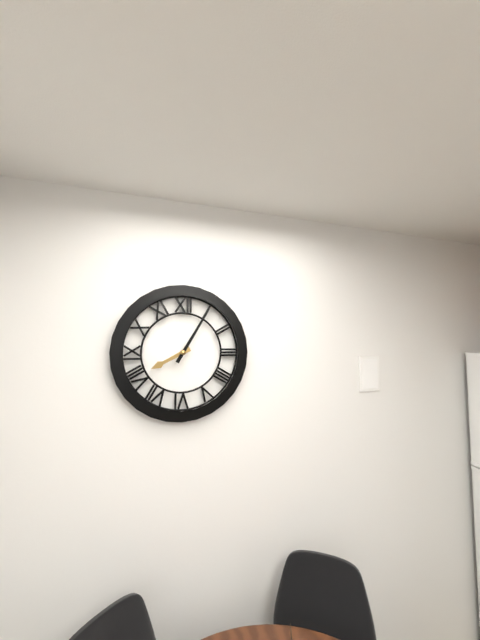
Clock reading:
{"hour": 8, "minute": 5}
